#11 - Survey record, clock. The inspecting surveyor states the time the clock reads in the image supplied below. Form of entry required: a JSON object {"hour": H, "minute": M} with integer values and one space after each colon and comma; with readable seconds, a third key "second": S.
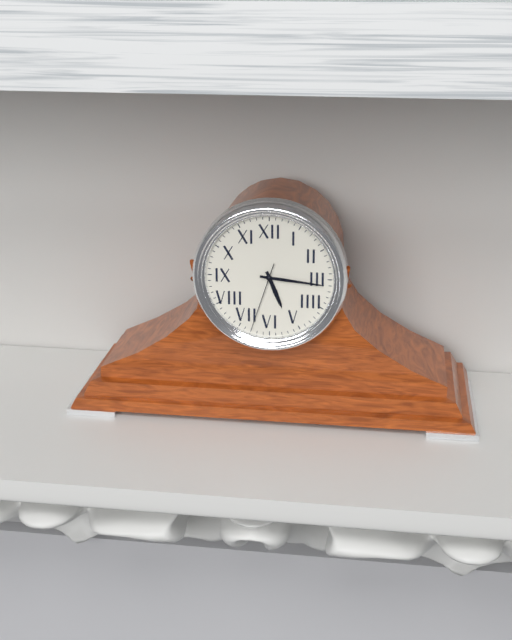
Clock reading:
{"hour": 5, "minute": 16, "second": 33}
